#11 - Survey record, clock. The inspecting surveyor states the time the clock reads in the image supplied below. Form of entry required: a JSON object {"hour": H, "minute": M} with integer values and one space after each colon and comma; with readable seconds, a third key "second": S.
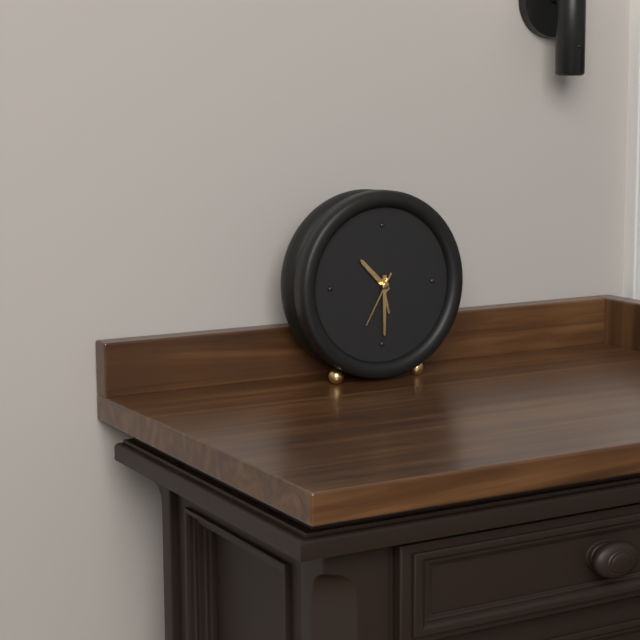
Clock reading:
{"hour": 10, "minute": 30, "second": 35}
